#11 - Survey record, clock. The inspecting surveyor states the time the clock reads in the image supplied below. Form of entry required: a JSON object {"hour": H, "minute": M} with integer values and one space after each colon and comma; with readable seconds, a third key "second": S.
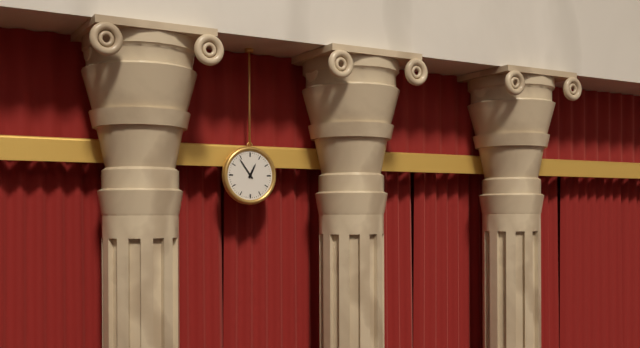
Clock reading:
{"hour": 12, "minute": 54}
